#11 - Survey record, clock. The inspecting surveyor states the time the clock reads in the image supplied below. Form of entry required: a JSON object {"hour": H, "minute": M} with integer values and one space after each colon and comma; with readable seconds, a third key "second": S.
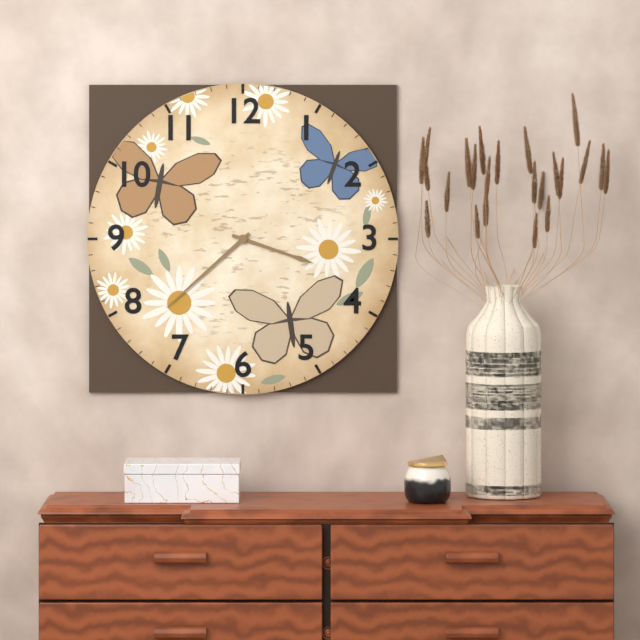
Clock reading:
{"hour": 3, "minute": 38}
